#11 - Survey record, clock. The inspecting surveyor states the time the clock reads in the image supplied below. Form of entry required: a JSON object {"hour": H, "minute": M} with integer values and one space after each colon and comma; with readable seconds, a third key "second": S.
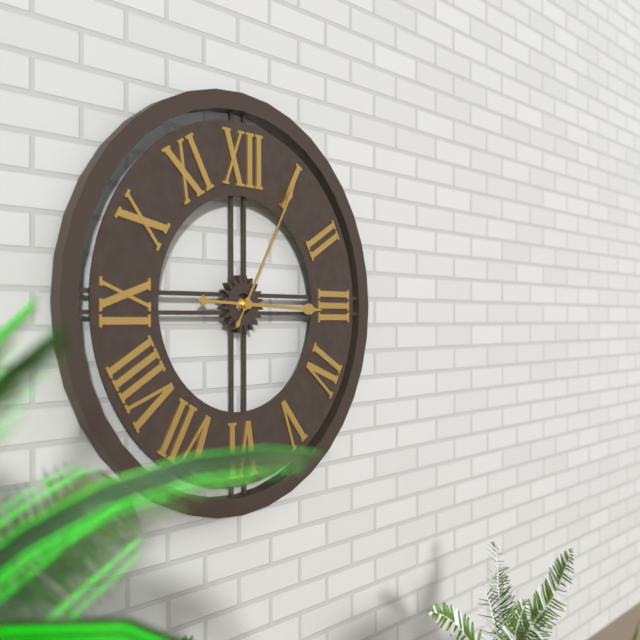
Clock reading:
{"hour": 3, "minute": 5}
